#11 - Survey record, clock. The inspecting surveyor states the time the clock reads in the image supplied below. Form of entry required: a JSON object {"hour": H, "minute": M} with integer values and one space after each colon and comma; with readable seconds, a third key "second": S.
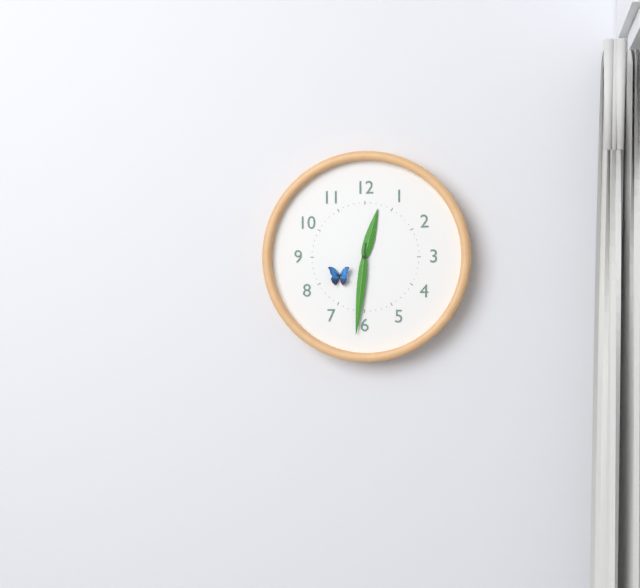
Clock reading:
{"hour": 12, "minute": 31}
